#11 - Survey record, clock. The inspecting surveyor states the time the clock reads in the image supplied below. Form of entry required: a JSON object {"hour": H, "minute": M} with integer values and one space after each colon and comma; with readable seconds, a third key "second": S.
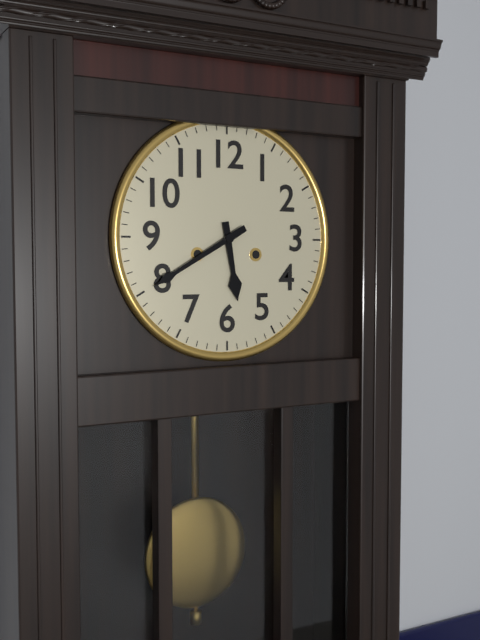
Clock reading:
{"hour": 5, "minute": 40}
